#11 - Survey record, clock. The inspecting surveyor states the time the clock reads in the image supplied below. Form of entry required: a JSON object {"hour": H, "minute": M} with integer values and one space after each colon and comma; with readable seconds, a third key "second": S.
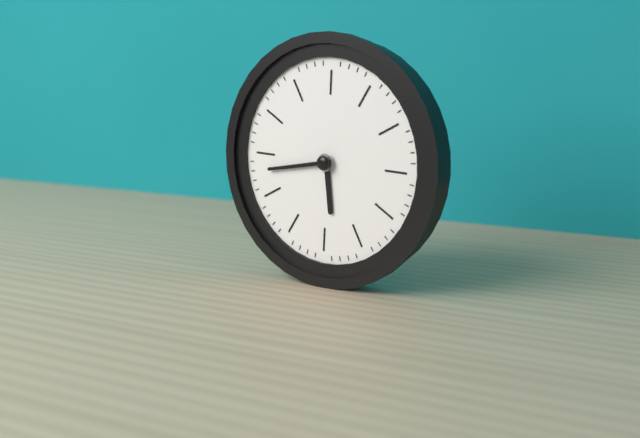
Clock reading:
{"hour": 5, "minute": 43}
